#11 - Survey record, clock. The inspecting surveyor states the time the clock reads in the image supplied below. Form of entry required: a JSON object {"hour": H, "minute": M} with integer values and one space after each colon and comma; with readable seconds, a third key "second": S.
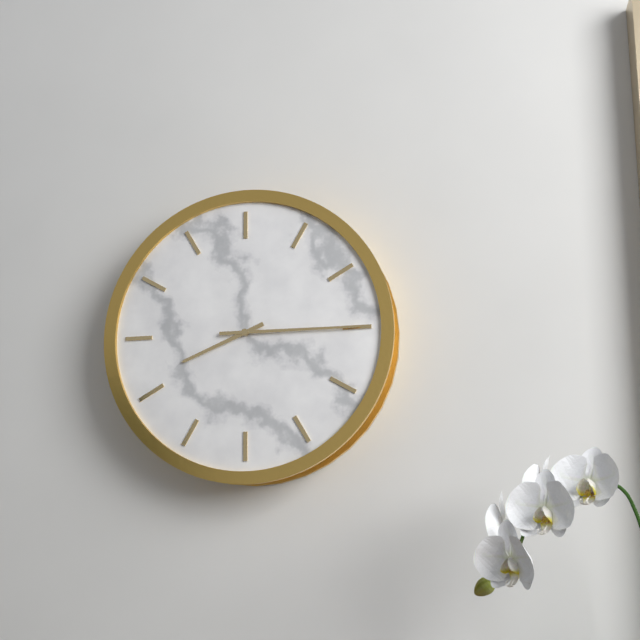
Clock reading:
{"hour": 8, "minute": 15}
